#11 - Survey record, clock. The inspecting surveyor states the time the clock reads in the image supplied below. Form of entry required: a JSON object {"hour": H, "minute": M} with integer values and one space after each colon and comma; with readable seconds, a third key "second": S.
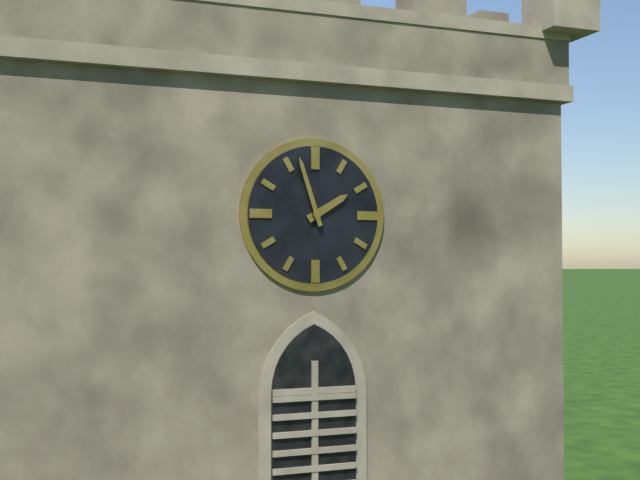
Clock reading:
{"hour": 1, "minute": 57}
